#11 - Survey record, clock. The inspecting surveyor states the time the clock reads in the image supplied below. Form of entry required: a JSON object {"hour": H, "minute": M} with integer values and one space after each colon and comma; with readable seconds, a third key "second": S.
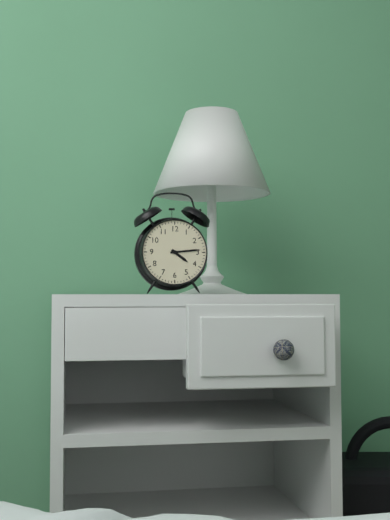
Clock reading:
{"hour": 4, "minute": 14}
